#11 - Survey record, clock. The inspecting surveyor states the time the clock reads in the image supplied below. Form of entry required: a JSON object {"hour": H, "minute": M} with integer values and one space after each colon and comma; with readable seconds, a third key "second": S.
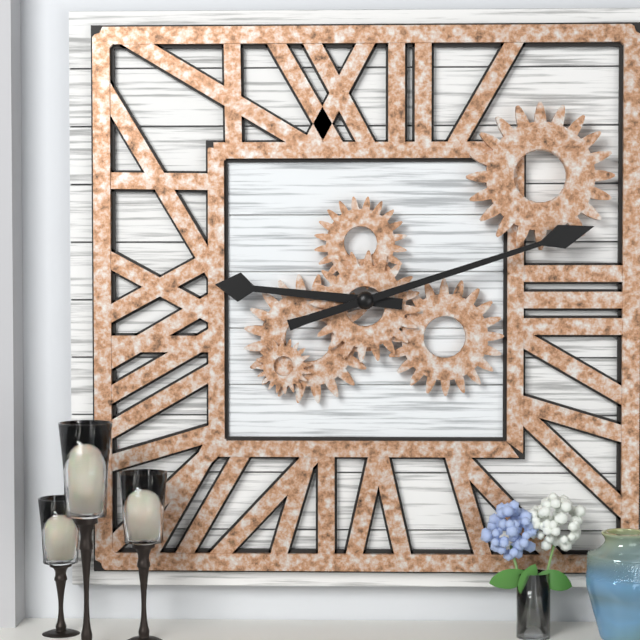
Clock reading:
{"hour": 9, "minute": 12}
